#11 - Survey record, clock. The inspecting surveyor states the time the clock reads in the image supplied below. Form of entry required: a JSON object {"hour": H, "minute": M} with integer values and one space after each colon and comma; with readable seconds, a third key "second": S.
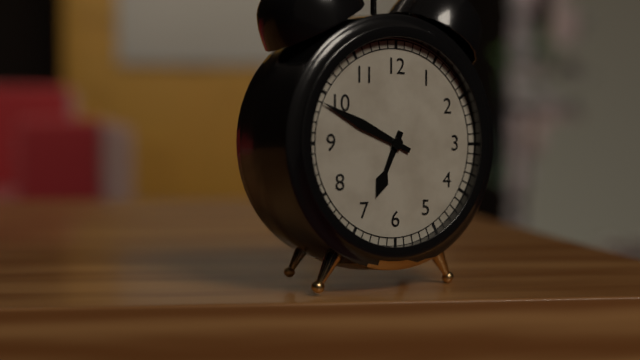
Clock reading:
{"hour": 6, "minute": 49}
